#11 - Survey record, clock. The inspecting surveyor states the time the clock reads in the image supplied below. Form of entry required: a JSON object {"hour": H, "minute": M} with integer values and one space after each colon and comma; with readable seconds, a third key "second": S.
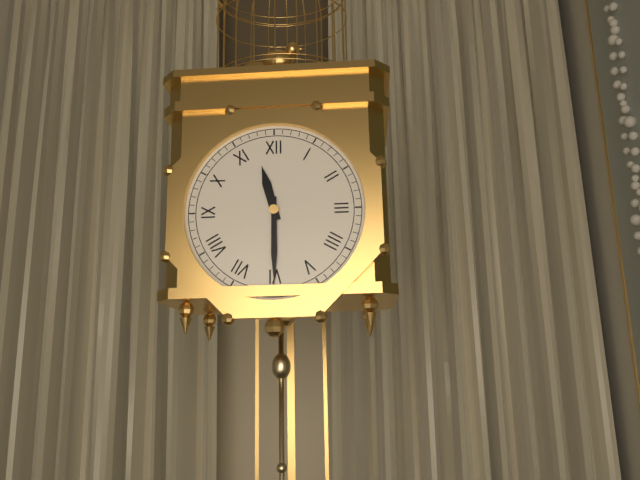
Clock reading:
{"hour": 11, "minute": 30}
